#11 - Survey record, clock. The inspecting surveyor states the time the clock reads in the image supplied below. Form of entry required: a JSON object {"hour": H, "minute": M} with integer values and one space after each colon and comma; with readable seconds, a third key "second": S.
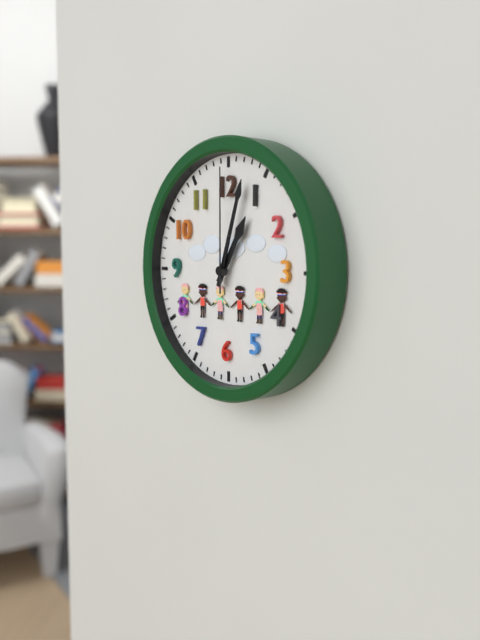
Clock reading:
{"hour": 1, "minute": 3, "second": 0}
